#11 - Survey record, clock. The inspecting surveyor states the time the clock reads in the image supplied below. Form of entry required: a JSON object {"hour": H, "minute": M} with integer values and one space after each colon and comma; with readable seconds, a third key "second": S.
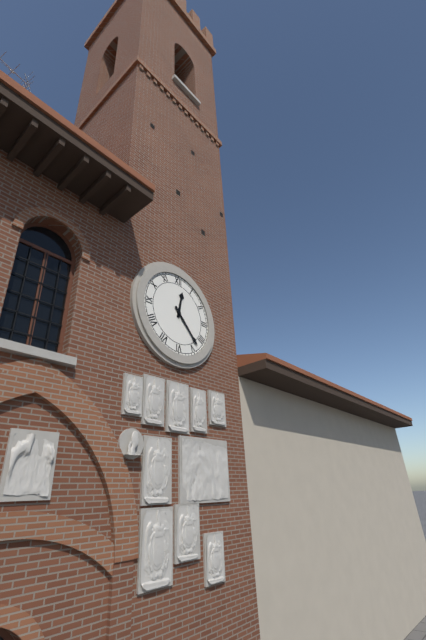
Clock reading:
{"hour": 12, "minute": 23}
